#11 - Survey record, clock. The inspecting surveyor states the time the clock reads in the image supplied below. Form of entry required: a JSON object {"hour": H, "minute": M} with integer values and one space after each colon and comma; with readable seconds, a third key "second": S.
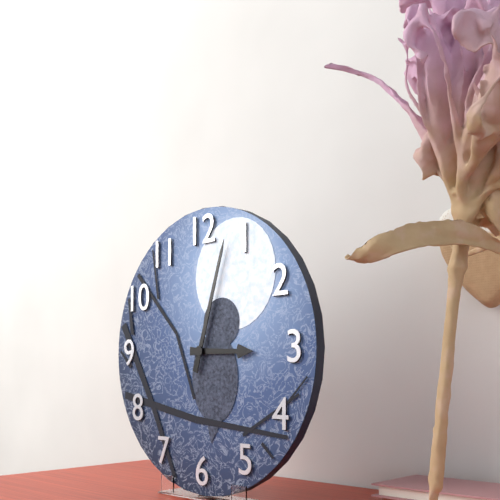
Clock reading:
{"hour": 3, "minute": 3}
